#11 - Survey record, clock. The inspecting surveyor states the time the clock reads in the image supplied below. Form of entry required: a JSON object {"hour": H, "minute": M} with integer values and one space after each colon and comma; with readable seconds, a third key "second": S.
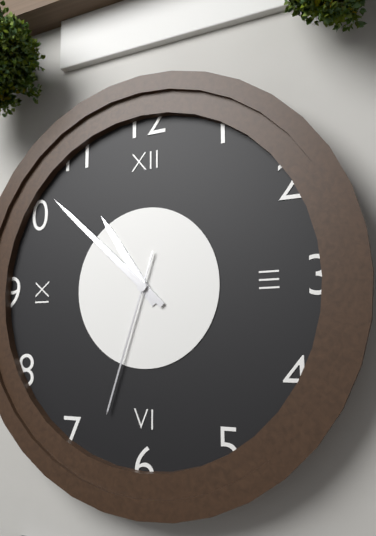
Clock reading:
{"hour": 10, "minute": 52, "second": 33}
